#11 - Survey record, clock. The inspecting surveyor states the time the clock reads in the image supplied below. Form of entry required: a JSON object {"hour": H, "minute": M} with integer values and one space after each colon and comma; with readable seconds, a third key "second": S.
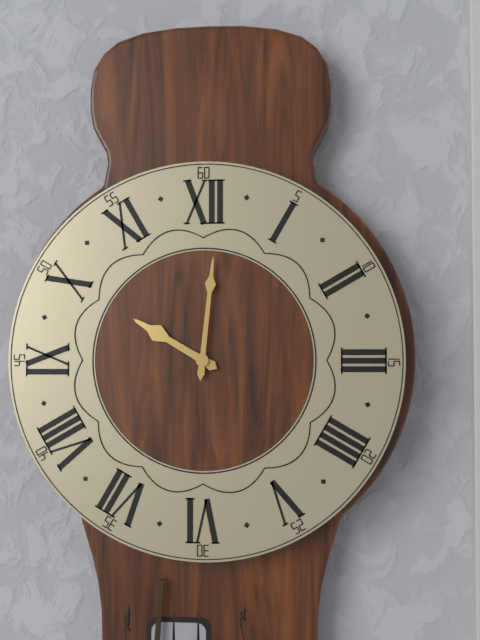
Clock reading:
{"hour": 10, "minute": 1}
